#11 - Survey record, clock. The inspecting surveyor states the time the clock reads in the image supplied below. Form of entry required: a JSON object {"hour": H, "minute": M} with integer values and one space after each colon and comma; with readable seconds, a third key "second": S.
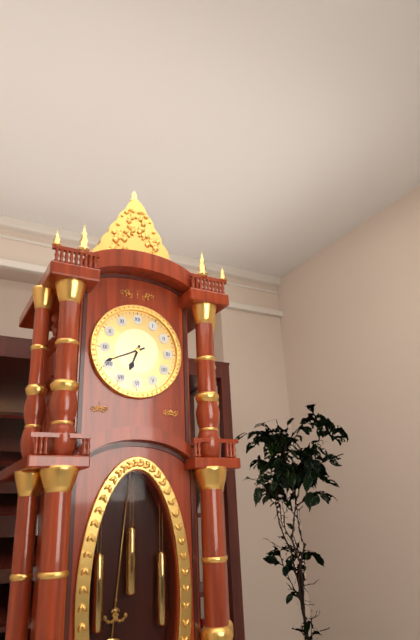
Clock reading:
{"hour": 6, "minute": 41}
